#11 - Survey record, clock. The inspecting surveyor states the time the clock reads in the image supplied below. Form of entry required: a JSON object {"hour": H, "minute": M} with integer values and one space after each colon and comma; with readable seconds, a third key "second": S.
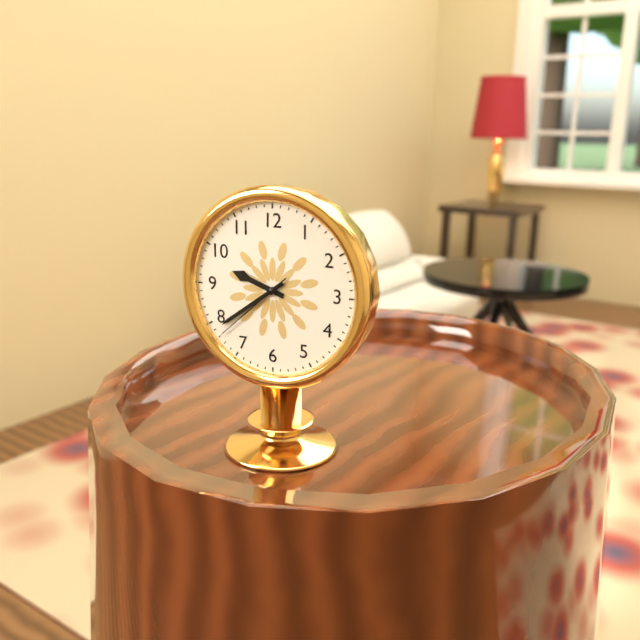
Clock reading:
{"hour": 9, "minute": 39, "second": 38}
